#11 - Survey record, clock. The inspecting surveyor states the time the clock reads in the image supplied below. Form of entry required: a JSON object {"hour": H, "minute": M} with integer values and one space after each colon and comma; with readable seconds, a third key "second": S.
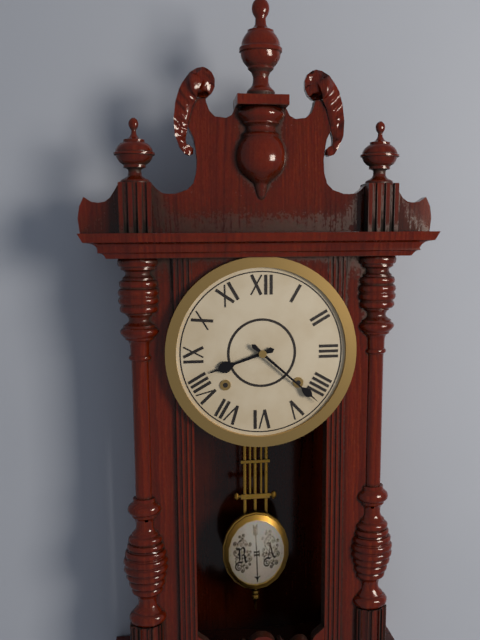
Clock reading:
{"hour": 8, "minute": 22}
